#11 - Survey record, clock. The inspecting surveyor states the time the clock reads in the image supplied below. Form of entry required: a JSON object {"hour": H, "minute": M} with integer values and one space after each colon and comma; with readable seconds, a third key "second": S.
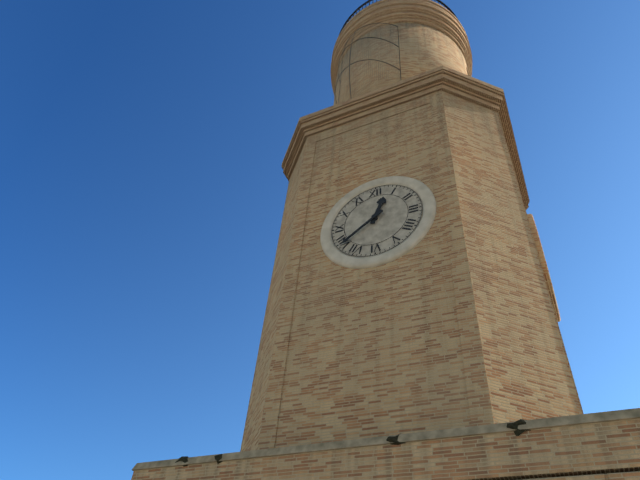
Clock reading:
{"hour": 12, "minute": 39}
